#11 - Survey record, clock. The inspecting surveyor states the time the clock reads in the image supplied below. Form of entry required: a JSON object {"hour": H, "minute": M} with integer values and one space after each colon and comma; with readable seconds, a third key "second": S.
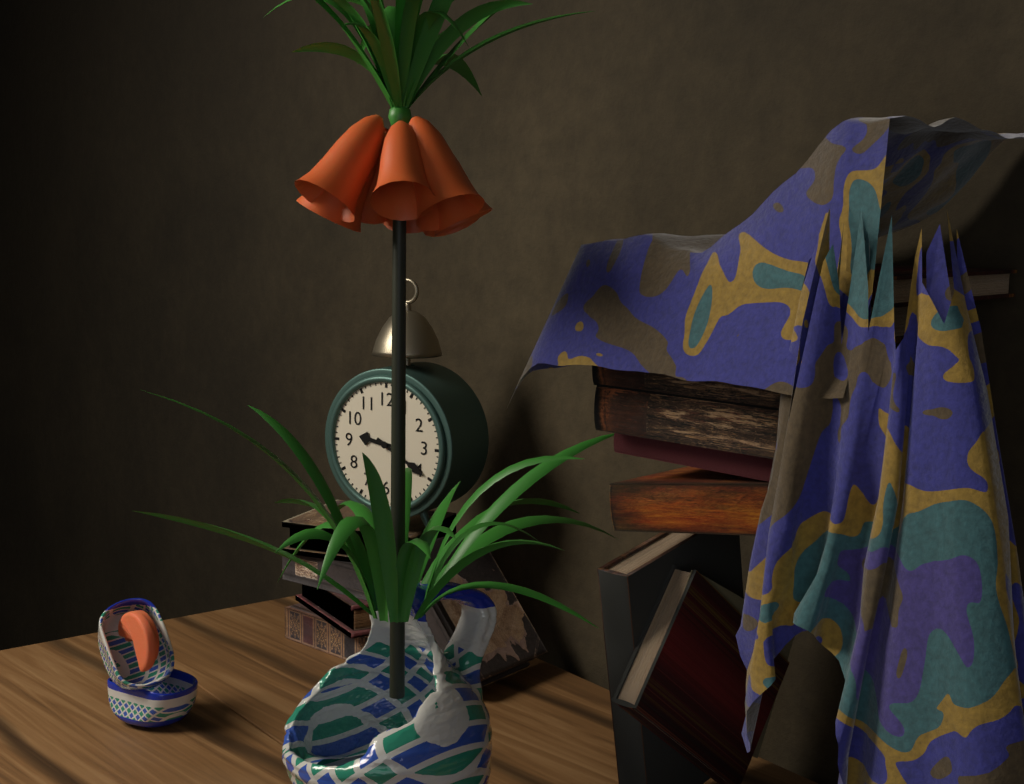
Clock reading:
{"hour": 9, "minute": 20}
